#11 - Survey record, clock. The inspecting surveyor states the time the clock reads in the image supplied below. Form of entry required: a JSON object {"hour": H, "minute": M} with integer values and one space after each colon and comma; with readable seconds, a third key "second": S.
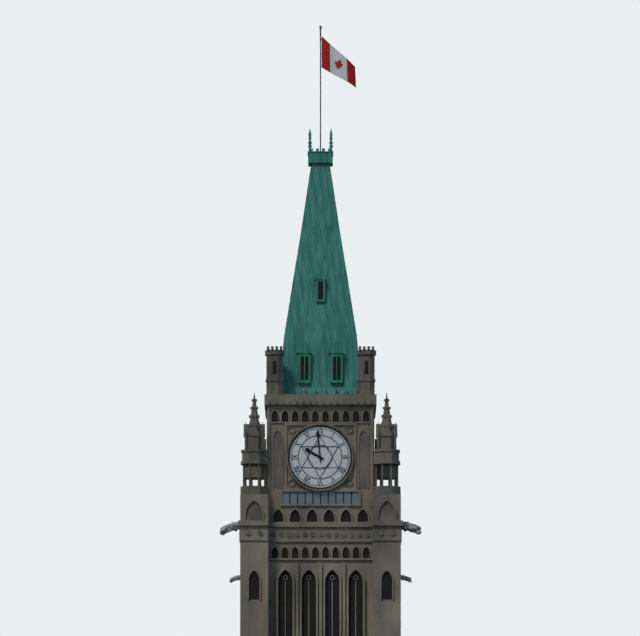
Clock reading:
{"hour": 9, "minute": 59}
